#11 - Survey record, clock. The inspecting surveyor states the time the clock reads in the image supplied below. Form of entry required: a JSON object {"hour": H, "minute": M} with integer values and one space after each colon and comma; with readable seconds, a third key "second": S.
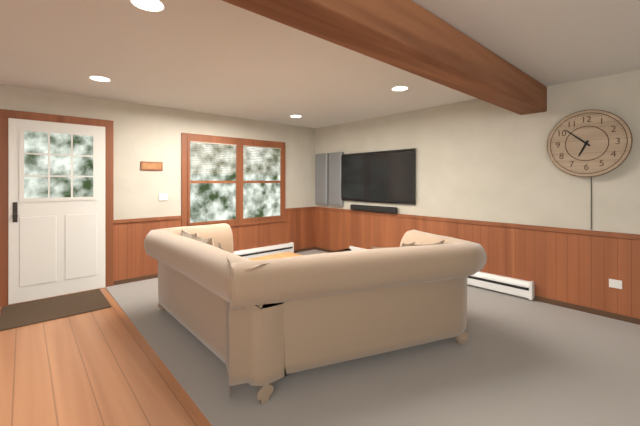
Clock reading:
{"hour": 6, "minute": 52}
